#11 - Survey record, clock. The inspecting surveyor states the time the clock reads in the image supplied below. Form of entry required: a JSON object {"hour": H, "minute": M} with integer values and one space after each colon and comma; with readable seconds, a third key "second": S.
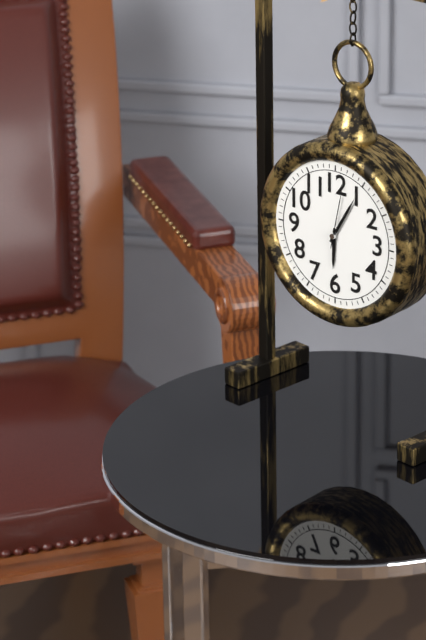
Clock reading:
{"hour": 6, "minute": 5, "second": 2}
